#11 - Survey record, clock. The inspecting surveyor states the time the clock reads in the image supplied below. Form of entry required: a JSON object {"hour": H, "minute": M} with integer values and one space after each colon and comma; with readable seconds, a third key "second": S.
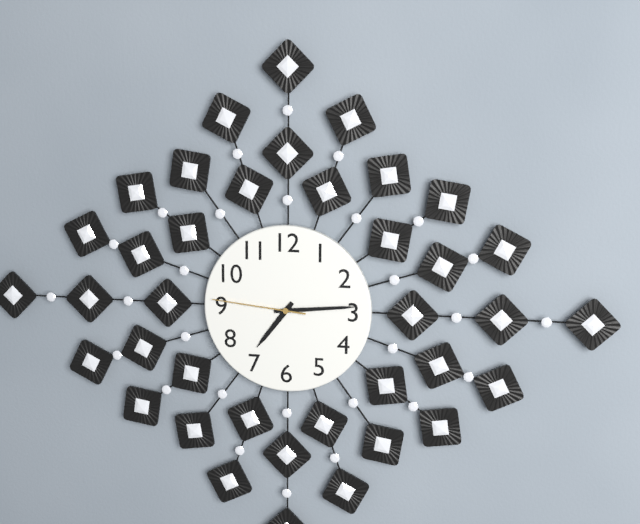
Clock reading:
{"hour": 7, "minute": 14, "second": 46}
